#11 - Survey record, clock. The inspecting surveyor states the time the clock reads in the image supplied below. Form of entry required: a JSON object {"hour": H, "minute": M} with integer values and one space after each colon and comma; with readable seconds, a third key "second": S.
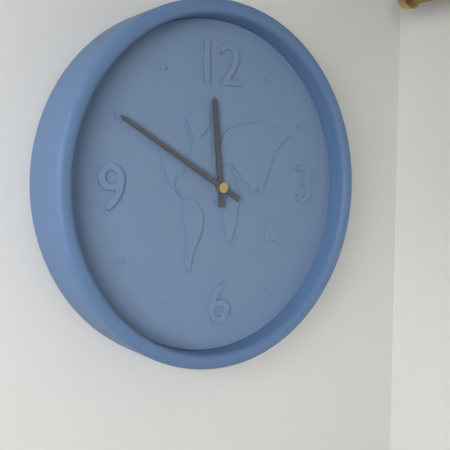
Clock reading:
{"hour": 11, "minute": 50}
